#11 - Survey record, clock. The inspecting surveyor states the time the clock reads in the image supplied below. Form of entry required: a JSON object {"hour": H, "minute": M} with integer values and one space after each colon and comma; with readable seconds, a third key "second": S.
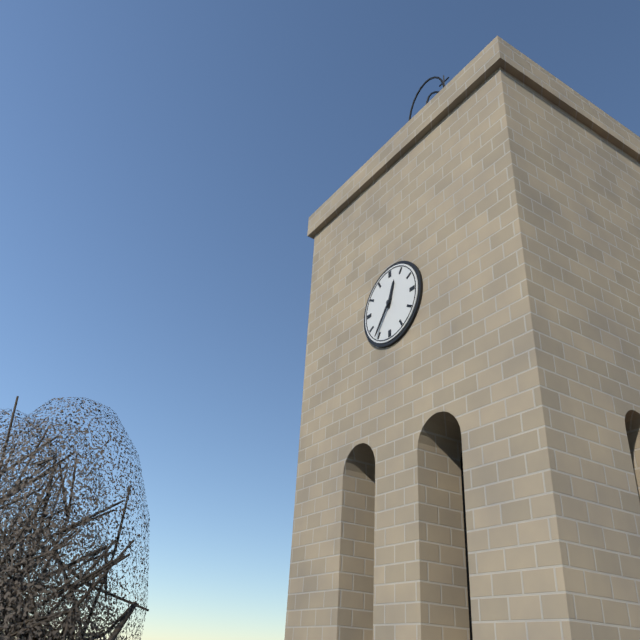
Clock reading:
{"hour": 12, "minute": 36}
